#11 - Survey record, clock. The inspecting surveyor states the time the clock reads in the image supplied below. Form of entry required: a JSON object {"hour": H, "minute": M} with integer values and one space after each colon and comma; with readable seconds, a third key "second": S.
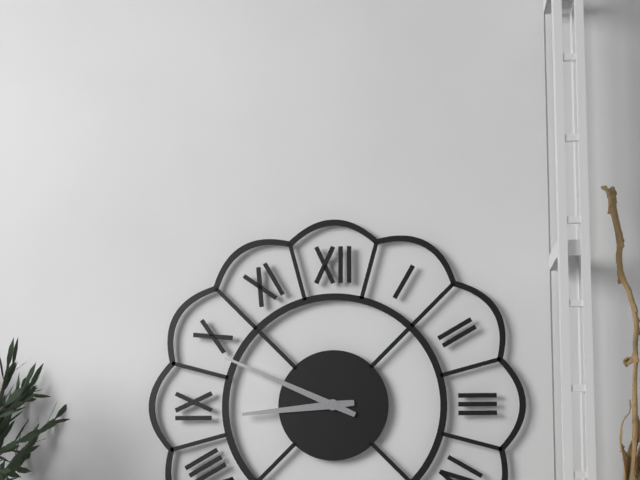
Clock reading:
{"hour": 8, "minute": 49}
